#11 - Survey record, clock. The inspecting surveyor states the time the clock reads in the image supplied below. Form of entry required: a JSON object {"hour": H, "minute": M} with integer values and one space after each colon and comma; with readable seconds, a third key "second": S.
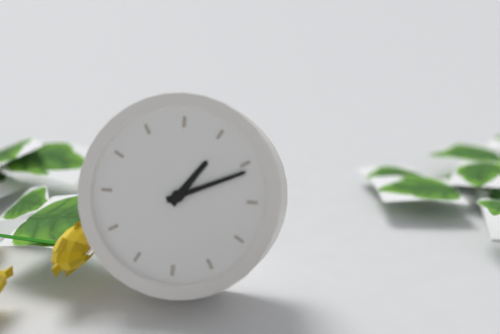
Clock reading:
{"hour": 1, "minute": 11}
